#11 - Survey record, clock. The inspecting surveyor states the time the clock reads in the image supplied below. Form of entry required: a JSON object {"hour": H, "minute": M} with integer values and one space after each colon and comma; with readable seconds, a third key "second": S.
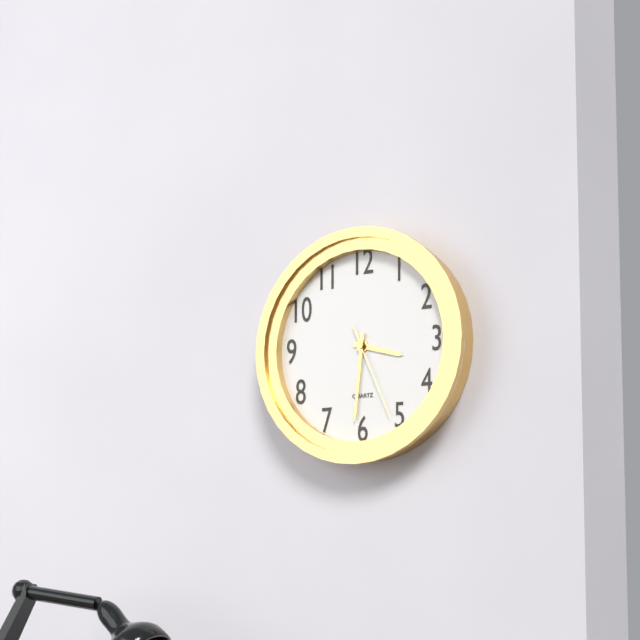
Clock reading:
{"hour": 3, "minute": 31, "second": 26}
